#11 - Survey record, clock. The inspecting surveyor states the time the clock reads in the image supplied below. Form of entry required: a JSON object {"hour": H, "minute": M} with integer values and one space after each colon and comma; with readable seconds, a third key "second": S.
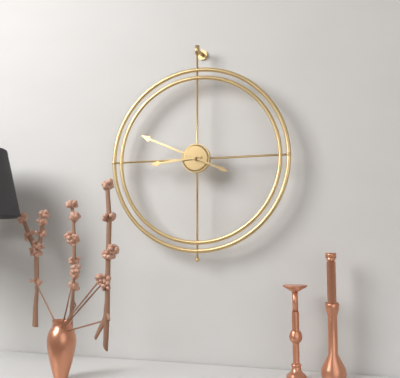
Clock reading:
{"hour": 8, "minute": 49}
